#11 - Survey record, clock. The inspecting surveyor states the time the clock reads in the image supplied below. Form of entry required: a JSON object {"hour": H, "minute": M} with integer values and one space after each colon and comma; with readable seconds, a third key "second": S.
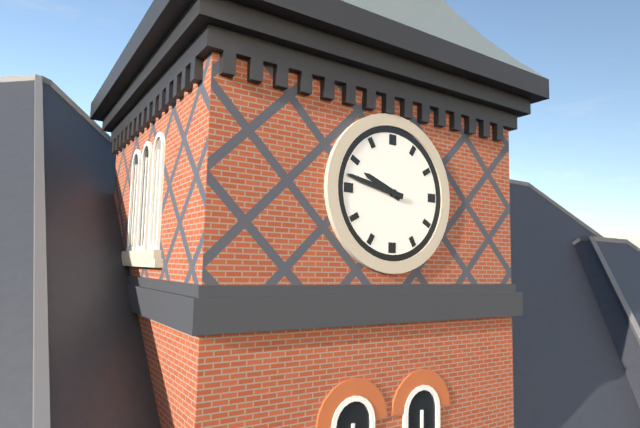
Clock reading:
{"hour": 9, "minute": 47}
